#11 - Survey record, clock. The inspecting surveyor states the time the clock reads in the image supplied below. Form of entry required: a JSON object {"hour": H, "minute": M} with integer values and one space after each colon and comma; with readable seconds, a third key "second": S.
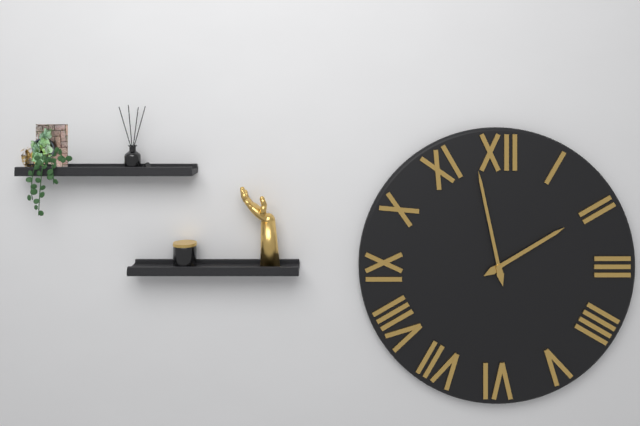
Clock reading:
{"hour": 1, "minute": 58}
